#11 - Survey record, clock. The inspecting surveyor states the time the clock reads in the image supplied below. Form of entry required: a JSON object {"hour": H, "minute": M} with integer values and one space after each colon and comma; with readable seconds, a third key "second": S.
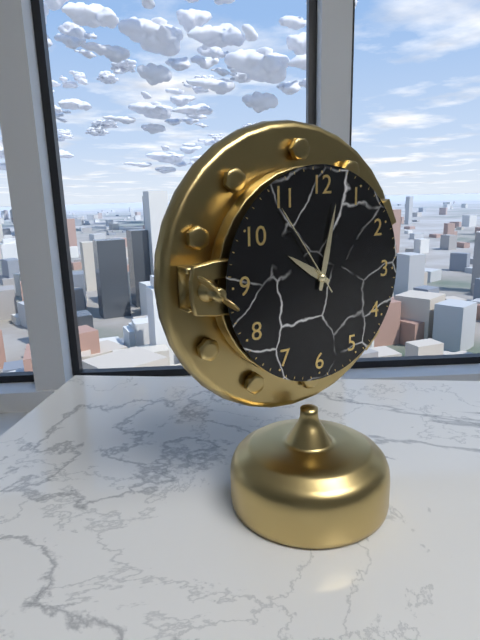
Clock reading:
{"hour": 10, "minute": 2, "second": 54}
